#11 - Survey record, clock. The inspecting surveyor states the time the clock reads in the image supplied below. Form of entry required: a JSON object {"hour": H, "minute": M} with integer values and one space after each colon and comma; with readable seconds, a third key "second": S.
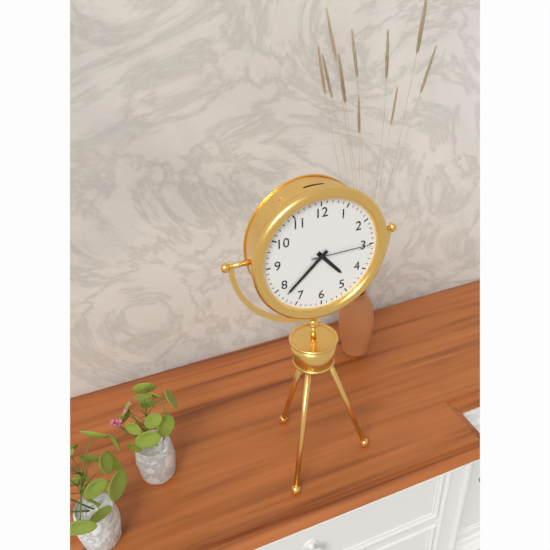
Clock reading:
{"hour": 4, "minute": 38, "second": 15}
